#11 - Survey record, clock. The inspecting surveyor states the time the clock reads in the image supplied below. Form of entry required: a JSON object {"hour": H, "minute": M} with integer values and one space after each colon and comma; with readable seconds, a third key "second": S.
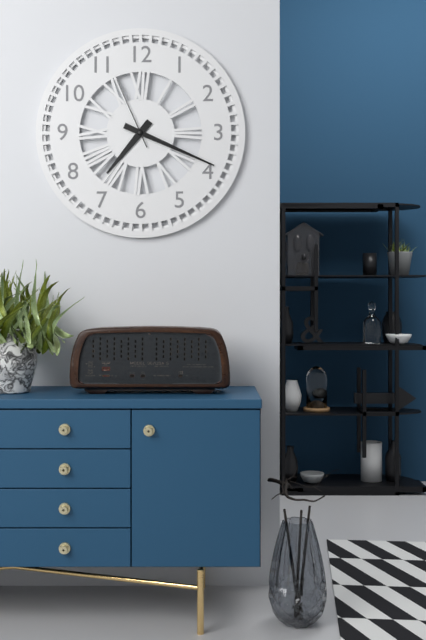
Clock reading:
{"hour": 7, "minute": 19, "second": 56}
